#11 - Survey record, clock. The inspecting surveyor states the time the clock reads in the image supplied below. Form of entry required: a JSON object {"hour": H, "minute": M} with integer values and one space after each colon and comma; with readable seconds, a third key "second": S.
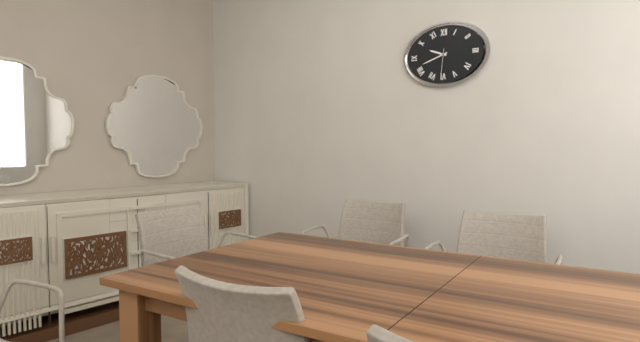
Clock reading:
{"hour": 9, "minute": 42}
